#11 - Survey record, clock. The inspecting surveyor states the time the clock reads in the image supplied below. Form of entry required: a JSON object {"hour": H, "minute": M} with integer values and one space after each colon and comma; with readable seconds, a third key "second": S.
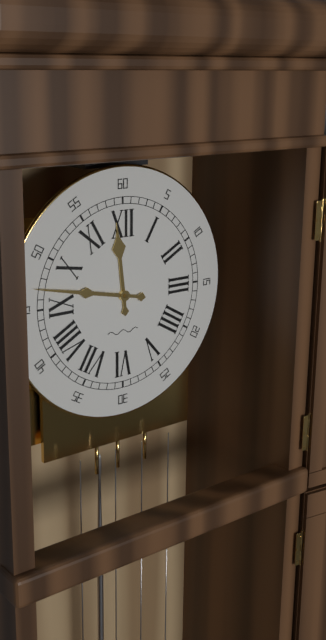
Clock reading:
{"hour": 11, "minute": 47}
